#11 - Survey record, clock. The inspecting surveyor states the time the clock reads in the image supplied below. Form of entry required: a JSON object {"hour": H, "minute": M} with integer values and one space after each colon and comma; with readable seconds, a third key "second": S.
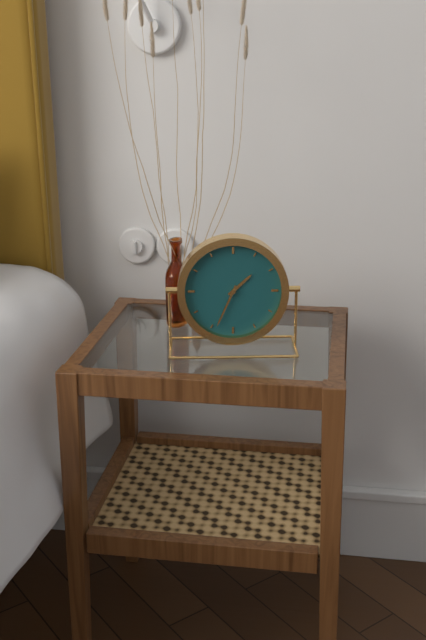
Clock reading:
{"hour": 1, "minute": 34}
